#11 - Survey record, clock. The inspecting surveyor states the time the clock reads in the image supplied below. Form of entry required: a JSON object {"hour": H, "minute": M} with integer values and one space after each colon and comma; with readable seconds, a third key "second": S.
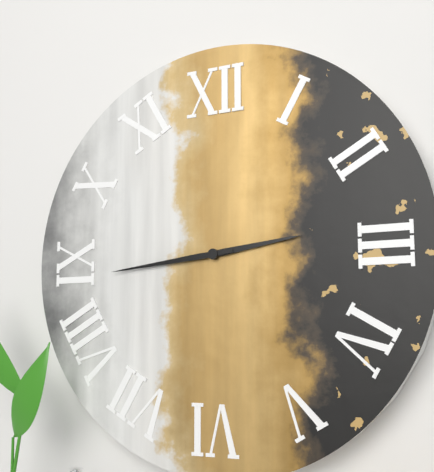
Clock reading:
{"hour": 2, "minute": 44}
